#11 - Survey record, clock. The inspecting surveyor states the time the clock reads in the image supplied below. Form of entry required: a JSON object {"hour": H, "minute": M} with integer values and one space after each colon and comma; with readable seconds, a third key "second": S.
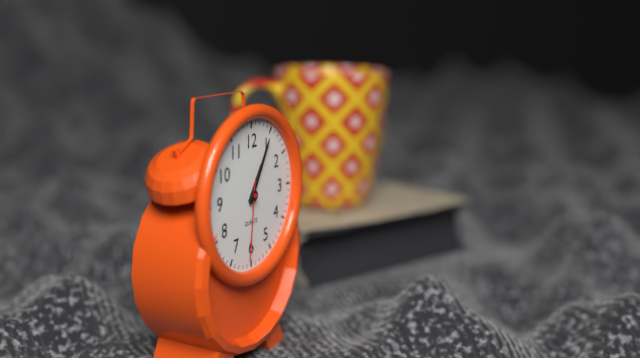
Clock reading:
{"hour": 1, "minute": 5, "second": 31}
